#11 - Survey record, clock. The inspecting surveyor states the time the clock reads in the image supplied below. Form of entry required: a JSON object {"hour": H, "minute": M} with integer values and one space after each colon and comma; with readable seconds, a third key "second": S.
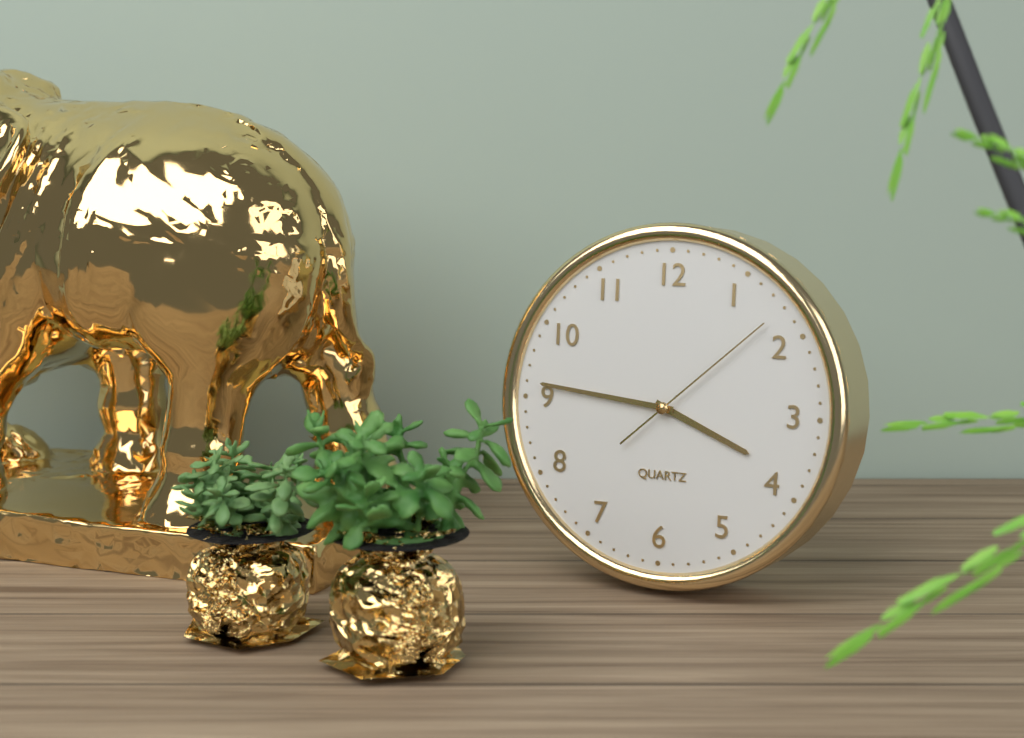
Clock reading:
{"hour": 3, "minute": 46, "second": 8}
